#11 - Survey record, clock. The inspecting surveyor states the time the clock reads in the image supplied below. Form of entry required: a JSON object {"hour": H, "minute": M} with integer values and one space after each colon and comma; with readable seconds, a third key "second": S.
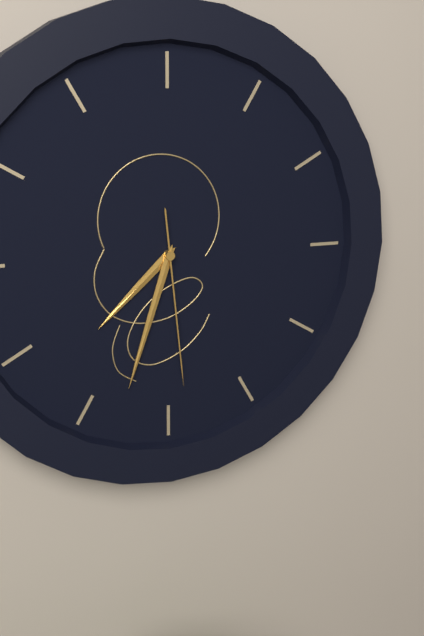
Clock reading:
{"hour": 7, "minute": 33, "second": 29}
